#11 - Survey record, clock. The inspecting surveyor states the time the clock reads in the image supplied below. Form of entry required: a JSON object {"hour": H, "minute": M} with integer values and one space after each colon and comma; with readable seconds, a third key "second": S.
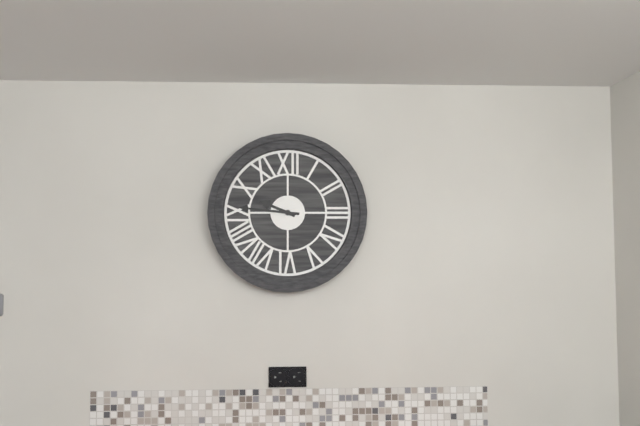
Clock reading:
{"hour": 9, "minute": 46}
